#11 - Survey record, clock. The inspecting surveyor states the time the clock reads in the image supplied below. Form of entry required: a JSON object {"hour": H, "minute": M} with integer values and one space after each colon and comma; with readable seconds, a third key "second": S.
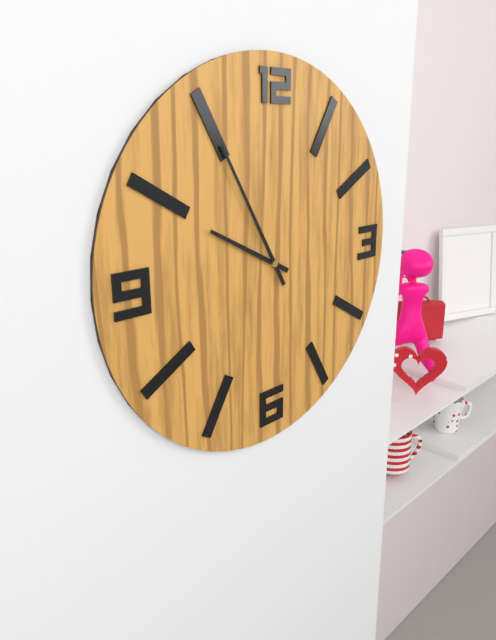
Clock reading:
{"hour": 9, "minute": 55}
